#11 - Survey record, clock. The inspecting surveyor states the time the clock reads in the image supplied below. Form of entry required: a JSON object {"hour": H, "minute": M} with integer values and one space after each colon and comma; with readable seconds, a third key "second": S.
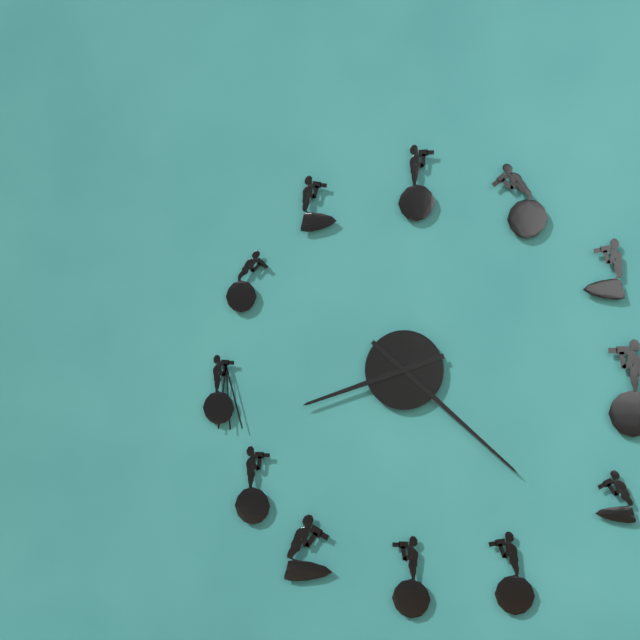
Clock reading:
{"hour": 8, "minute": 22}
